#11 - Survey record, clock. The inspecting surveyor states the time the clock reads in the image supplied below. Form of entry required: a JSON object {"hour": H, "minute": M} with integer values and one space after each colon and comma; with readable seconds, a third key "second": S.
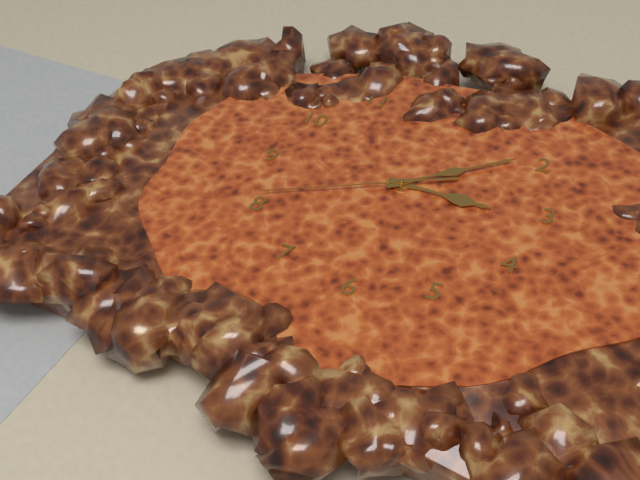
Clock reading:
{"hour": 3, "minute": 9, "second": 41}
